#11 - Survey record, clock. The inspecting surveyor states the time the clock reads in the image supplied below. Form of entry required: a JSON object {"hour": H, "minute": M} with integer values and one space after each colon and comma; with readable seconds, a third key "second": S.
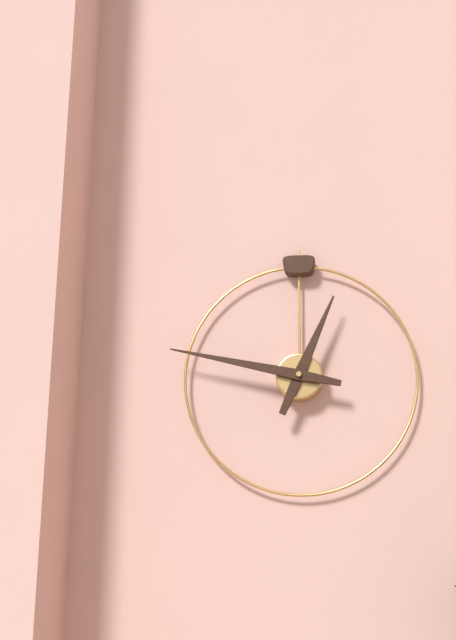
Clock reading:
{"hour": 12, "minute": 47}
